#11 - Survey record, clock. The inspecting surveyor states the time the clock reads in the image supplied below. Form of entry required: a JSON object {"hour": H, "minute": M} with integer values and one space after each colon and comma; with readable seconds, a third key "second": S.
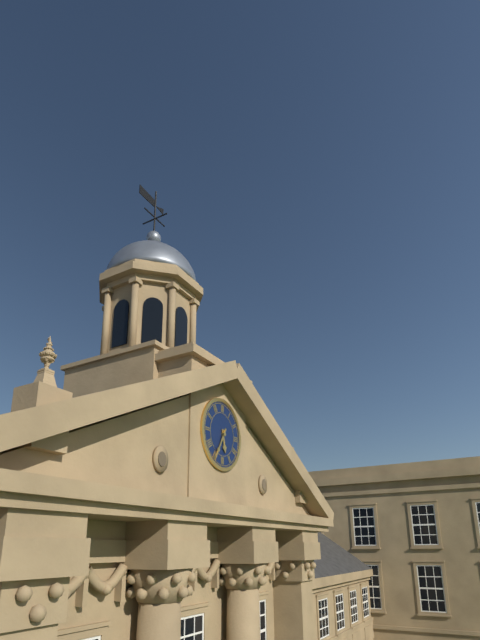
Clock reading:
{"hour": 5, "minute": 35}
